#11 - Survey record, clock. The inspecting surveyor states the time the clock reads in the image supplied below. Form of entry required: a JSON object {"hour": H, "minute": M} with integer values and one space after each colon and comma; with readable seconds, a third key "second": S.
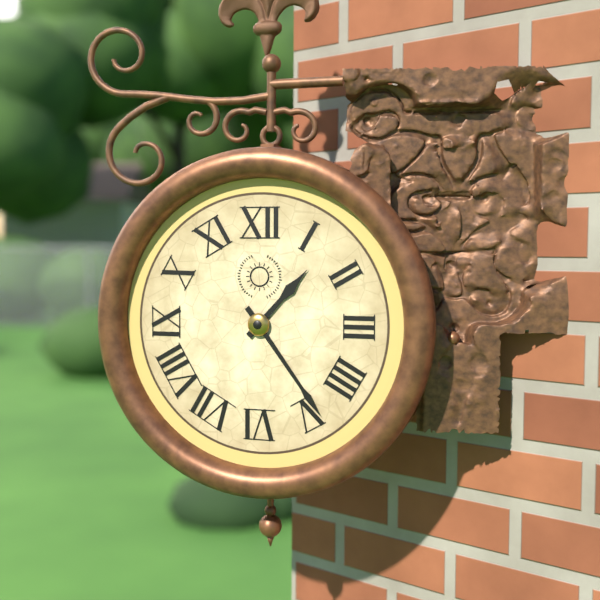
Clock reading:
{"hour": 1, "minute": 24}
